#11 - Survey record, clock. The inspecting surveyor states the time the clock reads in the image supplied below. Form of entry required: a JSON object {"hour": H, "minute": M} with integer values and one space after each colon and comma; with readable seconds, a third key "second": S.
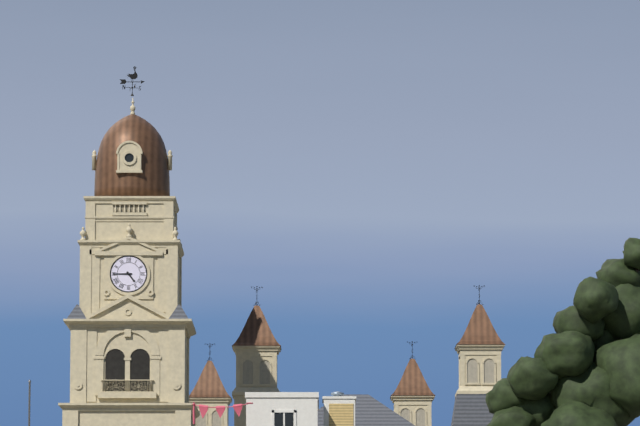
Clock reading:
{"hour": 4, "minute": 45}
